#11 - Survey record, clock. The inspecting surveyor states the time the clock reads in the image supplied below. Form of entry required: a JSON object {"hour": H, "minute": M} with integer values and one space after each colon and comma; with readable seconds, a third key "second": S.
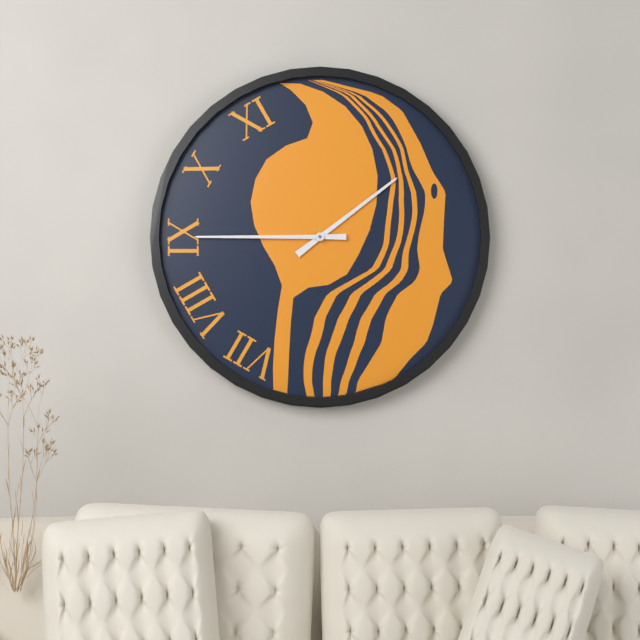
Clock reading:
{"hour": 1, "minute": 45}
